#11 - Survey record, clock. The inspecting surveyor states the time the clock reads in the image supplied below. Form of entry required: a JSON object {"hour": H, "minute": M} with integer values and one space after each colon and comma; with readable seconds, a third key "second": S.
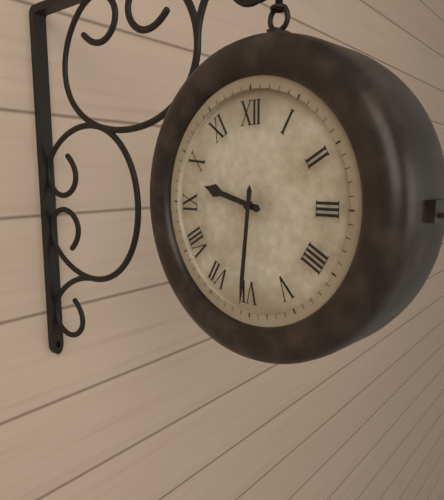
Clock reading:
{"hour": 9, "minute": 31}
